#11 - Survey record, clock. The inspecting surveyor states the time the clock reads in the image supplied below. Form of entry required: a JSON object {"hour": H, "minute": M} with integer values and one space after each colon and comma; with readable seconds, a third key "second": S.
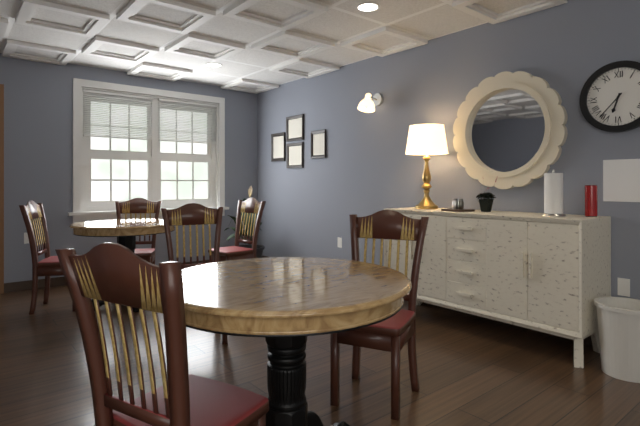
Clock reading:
{"hour": 6, "minute": 37}
